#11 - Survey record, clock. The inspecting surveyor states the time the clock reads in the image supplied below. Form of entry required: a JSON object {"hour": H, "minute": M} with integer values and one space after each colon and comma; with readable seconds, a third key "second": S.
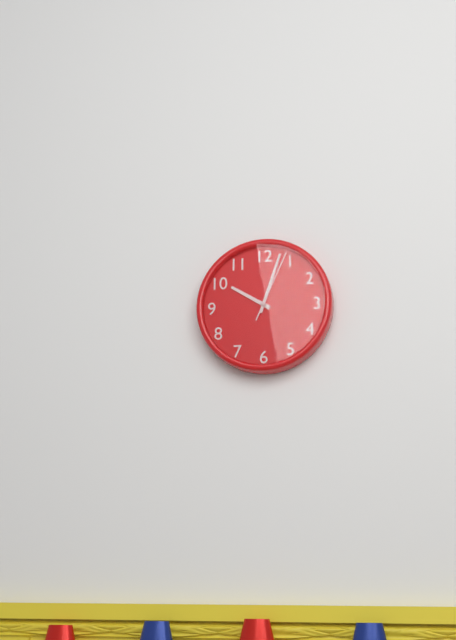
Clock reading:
{"hour": 10, "minute": 3, "second": 4}
